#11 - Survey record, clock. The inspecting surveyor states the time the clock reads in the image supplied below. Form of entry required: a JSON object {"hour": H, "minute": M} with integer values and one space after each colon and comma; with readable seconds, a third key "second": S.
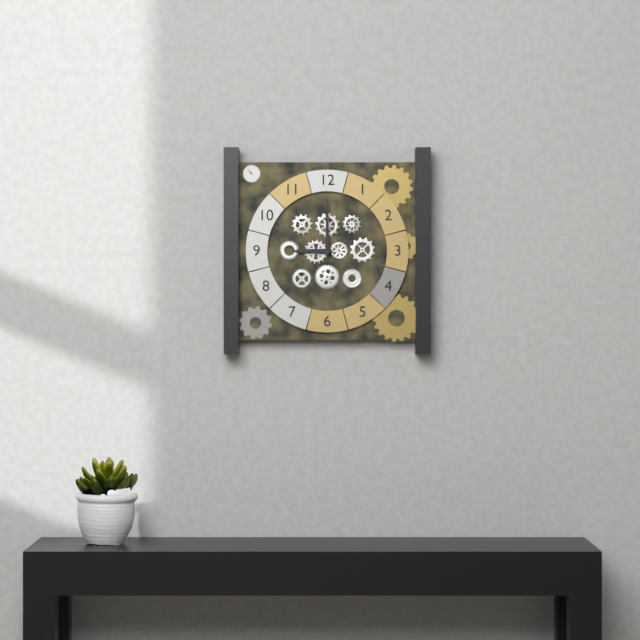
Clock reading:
{"hour": 9, "minute": 0}
